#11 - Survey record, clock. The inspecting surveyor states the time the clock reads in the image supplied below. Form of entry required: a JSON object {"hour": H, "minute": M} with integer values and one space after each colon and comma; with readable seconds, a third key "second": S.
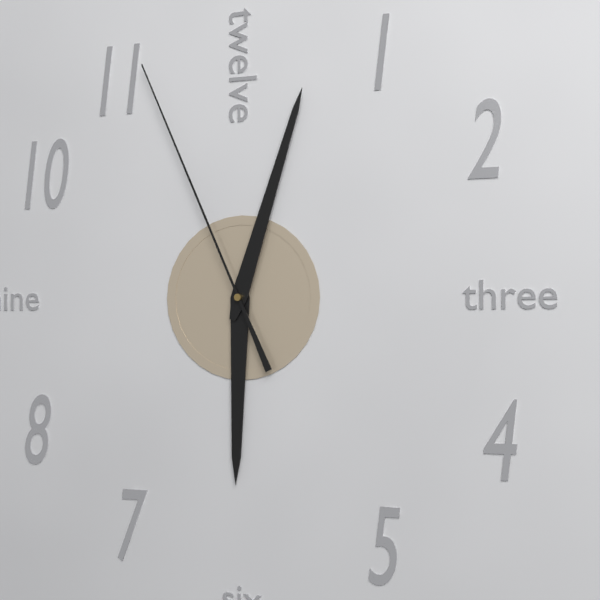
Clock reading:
{"hour": 6, "minute": 3, "second": 56}
